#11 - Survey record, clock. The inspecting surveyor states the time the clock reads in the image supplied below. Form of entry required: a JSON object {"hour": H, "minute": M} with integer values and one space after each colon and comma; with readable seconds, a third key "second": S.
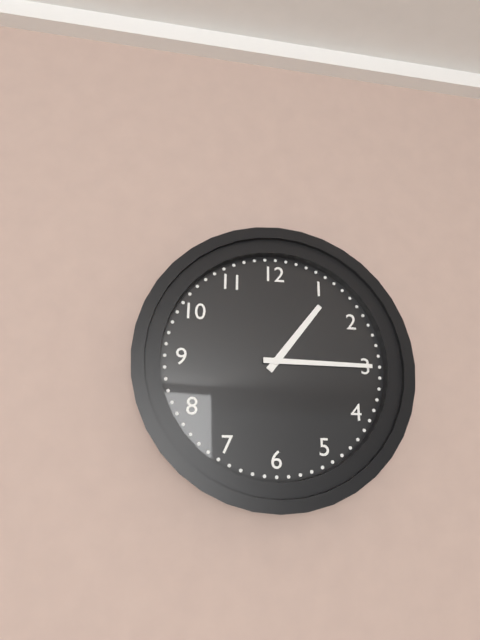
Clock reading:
{"hour": 1, "minute": 15}
